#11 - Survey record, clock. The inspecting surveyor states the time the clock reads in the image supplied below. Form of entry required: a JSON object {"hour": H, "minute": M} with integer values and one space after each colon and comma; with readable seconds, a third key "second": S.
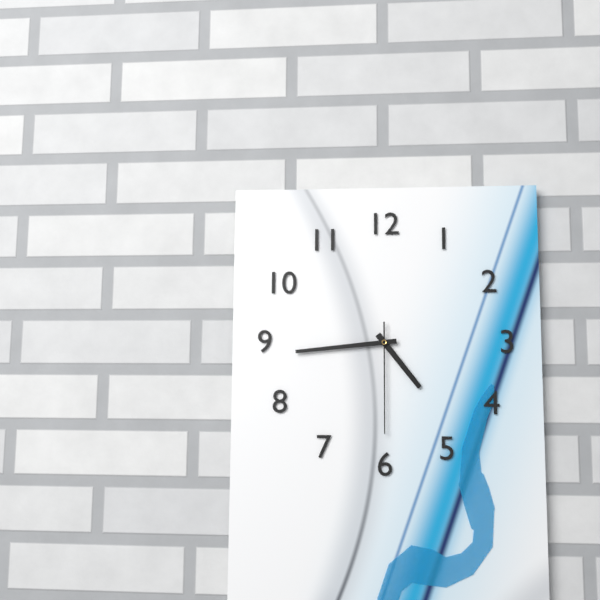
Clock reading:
{"hour": 4, "minute": 44, "second": 30}
